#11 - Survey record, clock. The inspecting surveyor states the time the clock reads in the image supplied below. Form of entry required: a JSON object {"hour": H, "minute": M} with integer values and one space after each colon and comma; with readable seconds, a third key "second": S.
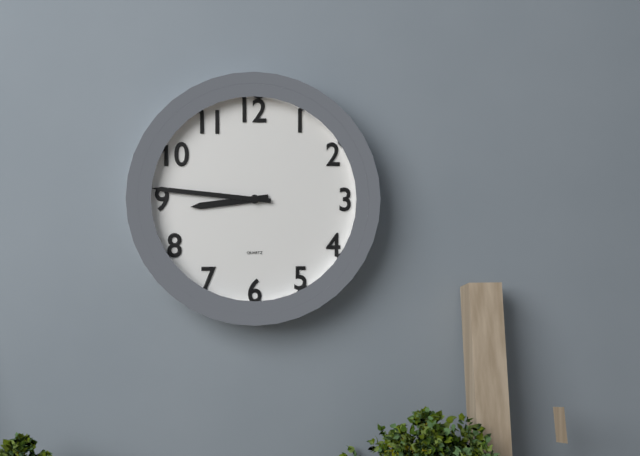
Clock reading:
{"hour": 8, "minute": 46}
